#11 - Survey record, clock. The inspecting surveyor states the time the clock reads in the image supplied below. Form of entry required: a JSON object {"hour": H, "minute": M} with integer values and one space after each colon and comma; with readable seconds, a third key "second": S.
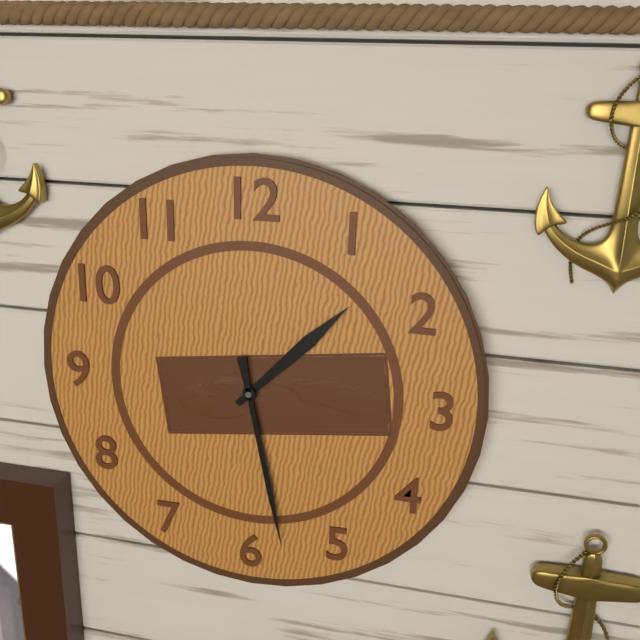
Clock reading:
{"hour": 1, "minute": 28}
